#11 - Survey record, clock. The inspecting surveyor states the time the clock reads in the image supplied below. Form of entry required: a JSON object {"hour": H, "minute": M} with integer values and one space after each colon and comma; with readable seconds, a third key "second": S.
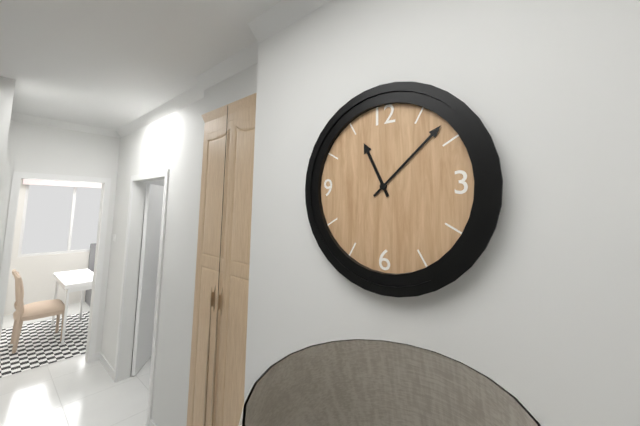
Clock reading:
{"hour": 11, "minute": 8}
